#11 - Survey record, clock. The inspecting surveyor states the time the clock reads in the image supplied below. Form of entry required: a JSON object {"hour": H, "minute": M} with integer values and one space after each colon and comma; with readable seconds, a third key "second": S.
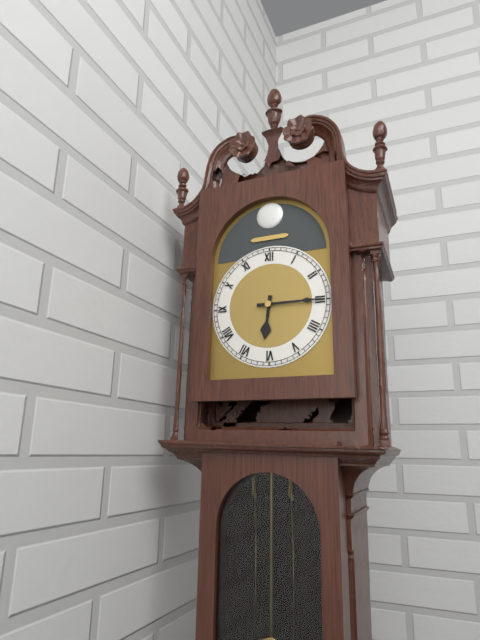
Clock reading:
{"hour": 6, "minute": 15}
